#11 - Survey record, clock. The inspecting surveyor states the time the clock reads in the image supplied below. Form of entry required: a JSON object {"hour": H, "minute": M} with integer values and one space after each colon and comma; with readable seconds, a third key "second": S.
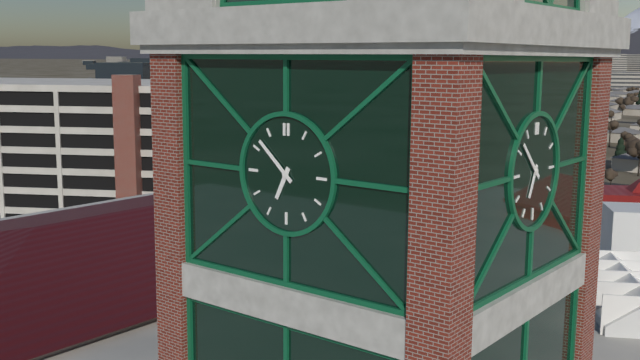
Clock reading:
{"hour": 6, "minute": 52}
